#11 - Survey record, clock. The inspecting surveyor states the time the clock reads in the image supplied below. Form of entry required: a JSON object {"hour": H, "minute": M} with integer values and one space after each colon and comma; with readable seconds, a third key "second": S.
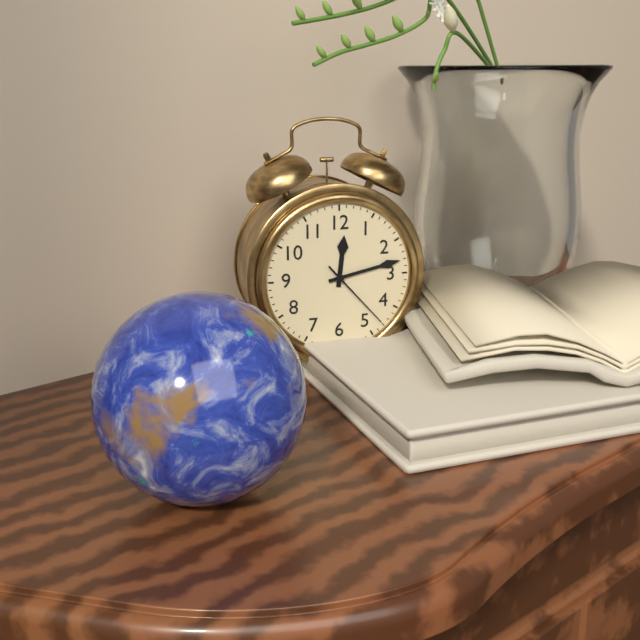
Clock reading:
{"hour": 12, "minute": 13, "second": 23}
